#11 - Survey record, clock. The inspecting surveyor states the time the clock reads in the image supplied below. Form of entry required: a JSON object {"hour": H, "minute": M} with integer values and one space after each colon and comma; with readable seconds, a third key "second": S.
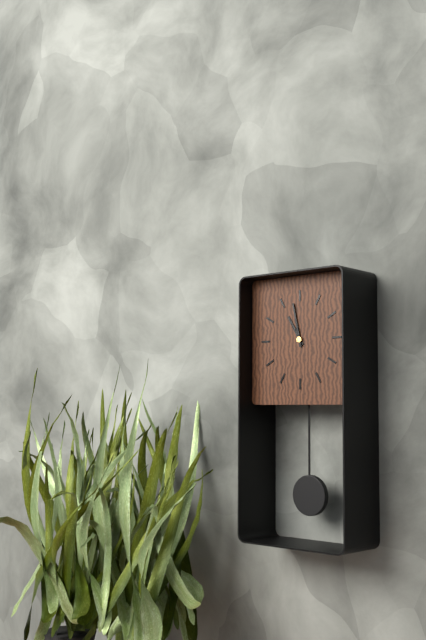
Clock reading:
{"hour": 10, "minute": 58}
